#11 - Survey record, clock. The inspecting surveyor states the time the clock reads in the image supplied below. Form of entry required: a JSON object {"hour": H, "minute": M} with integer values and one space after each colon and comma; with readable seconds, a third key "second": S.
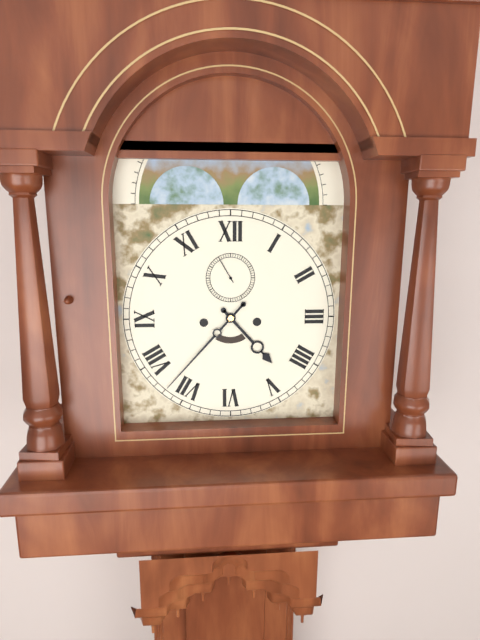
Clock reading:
{"hour": 4, "minute": 37}
